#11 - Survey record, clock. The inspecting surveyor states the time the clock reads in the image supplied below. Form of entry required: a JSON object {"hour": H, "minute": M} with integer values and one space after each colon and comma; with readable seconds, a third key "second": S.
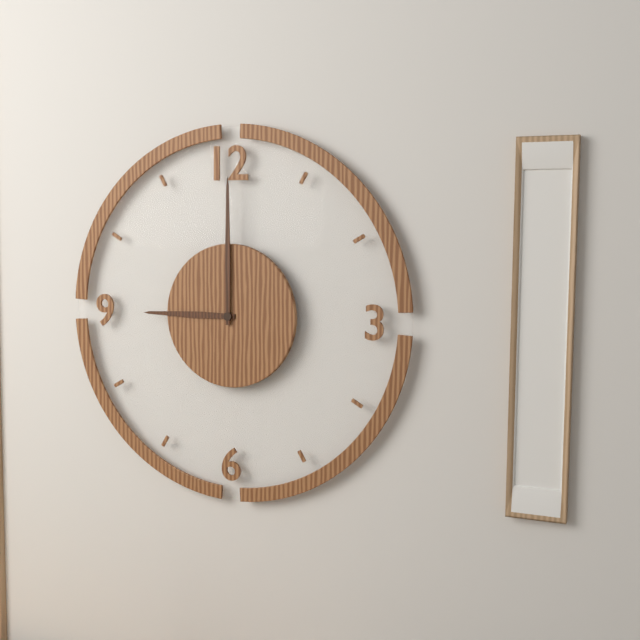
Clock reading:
{"hour": 9, "minute": 0}
